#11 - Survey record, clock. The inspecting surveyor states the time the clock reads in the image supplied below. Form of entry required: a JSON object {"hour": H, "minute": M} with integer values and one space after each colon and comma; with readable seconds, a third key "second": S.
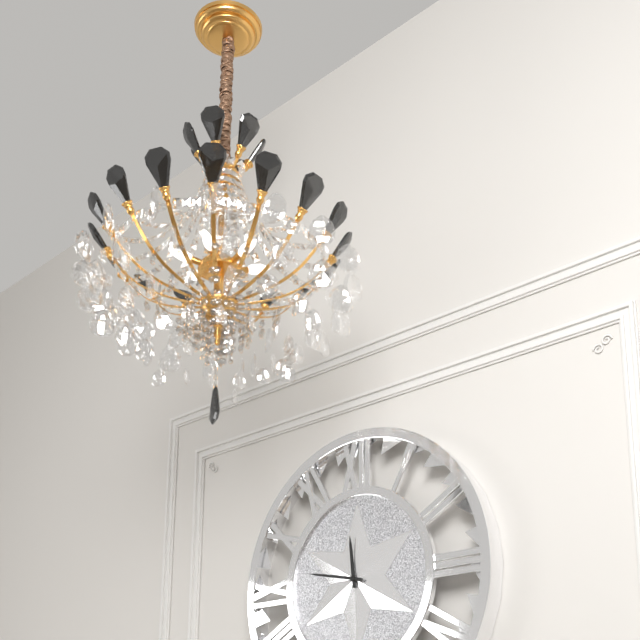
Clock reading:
{"hour": 11, "minute": 47}
